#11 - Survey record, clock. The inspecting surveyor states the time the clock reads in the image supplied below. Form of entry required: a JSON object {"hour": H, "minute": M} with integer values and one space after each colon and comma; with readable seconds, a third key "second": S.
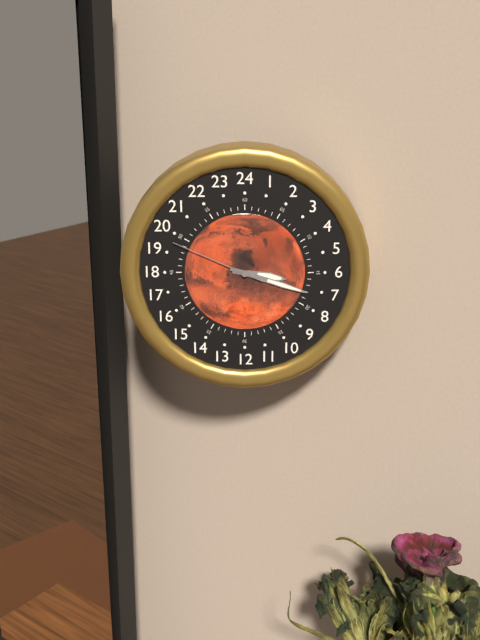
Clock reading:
{"hour": 3, "minute": 18, "second": 49}
